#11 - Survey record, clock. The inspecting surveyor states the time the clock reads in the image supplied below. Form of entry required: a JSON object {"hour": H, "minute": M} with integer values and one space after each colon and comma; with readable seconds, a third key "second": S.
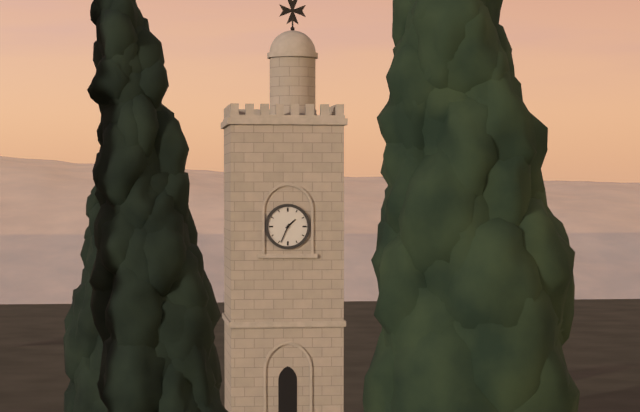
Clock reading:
{"hour": 1, "minute": 34}
